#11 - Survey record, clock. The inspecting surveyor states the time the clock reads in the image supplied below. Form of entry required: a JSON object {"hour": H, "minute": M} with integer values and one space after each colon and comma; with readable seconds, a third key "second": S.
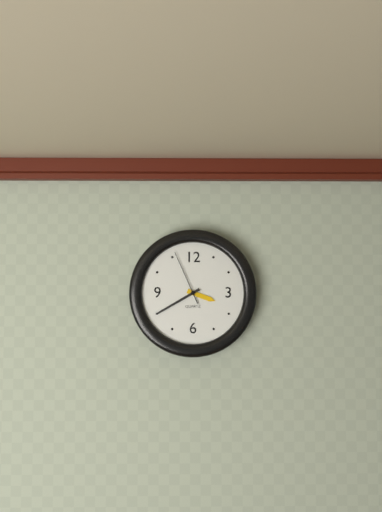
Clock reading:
{"hour": 3, "minute": 40, "second": 56}
